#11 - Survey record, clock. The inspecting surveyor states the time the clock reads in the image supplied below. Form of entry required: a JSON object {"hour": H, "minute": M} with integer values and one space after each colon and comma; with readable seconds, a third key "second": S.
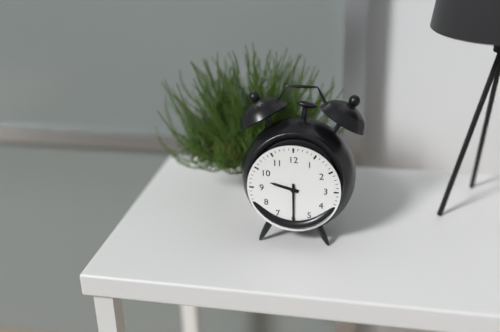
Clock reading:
{"hour": 9, "minute": 30}
